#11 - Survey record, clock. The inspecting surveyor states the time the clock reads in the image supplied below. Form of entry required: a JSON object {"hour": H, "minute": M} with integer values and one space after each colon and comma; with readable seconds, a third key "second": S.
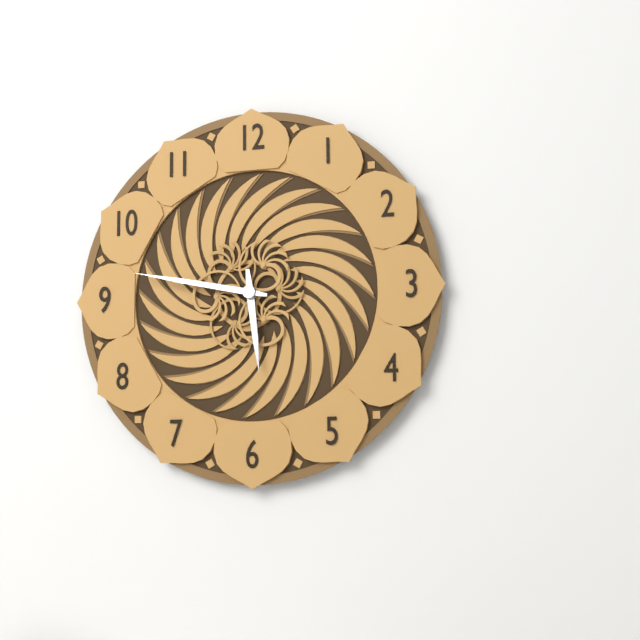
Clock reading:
{"hour": 5, "minute": 47}
